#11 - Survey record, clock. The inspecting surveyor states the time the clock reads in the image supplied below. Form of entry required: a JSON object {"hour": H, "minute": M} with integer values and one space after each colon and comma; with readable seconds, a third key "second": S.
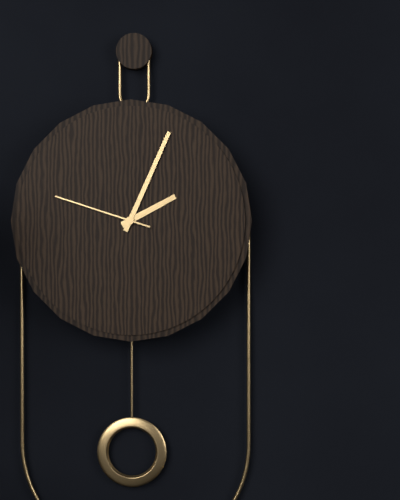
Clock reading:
{"hour": 2, "minute": 4, "second": 48}
